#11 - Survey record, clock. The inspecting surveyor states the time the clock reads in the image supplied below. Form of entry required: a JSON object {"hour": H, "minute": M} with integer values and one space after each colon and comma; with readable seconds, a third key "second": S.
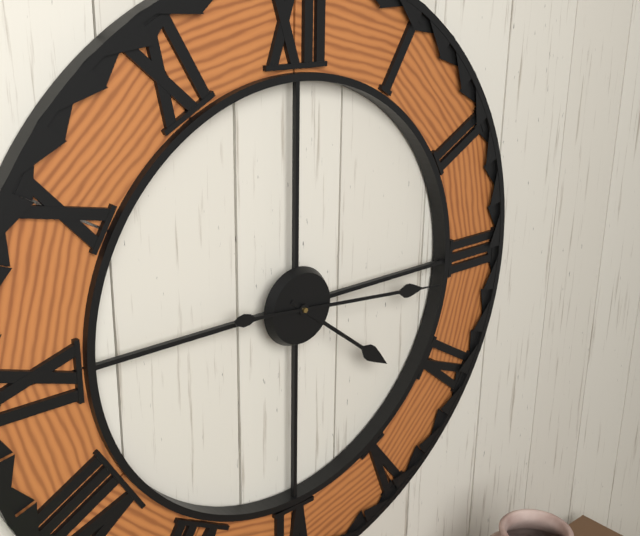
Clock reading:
{"hour": 4, "minute": 16}
